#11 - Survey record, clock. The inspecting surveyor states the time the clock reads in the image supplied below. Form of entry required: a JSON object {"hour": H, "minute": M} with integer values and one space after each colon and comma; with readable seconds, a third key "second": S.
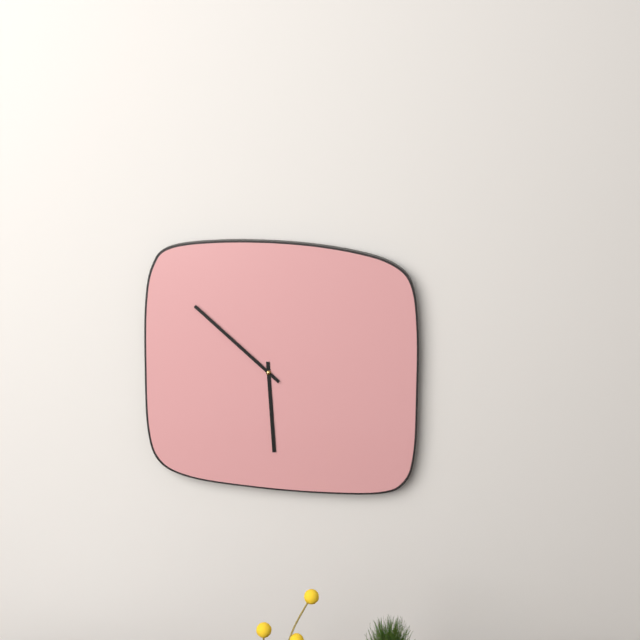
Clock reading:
{"hour": 5, "minute": 52}
